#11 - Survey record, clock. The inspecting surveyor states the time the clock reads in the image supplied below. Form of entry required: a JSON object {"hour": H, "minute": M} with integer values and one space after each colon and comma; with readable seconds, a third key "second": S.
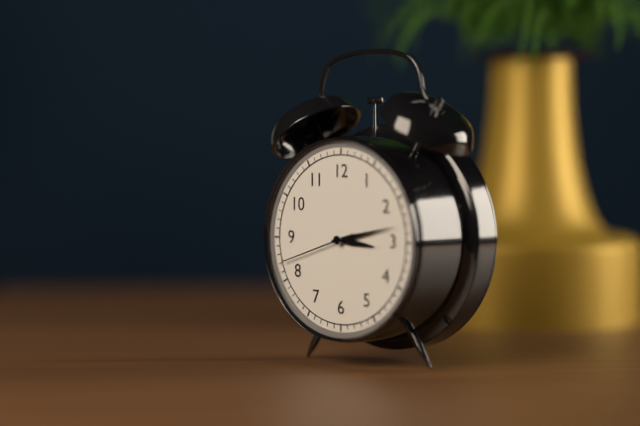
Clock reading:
{"hour": 3, "minute": 13, "second": 42}
